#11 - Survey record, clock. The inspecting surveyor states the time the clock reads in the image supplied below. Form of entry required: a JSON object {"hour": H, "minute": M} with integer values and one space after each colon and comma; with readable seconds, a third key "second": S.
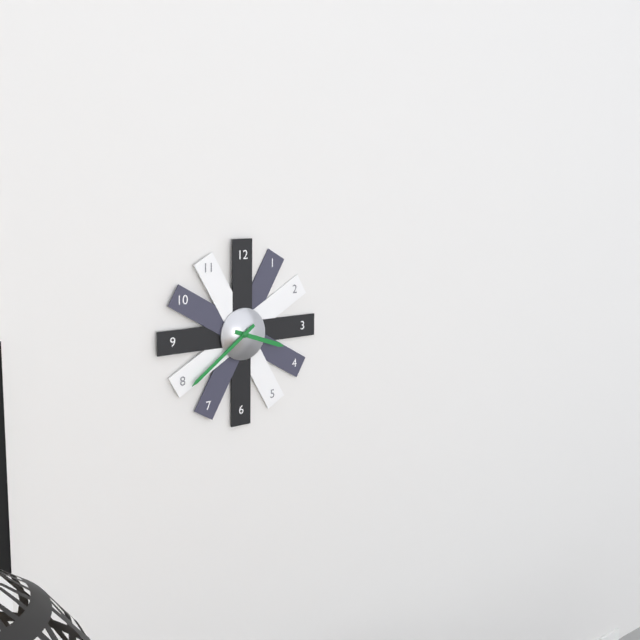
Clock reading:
{"hour": 3, "minute": 39}
